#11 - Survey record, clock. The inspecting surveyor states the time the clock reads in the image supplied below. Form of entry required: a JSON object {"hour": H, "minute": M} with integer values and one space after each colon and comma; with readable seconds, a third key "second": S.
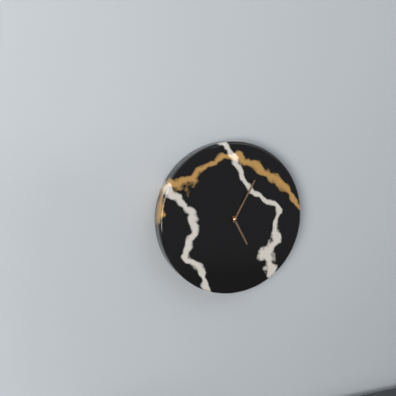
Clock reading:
{"hour": 5, "minute": 5}
